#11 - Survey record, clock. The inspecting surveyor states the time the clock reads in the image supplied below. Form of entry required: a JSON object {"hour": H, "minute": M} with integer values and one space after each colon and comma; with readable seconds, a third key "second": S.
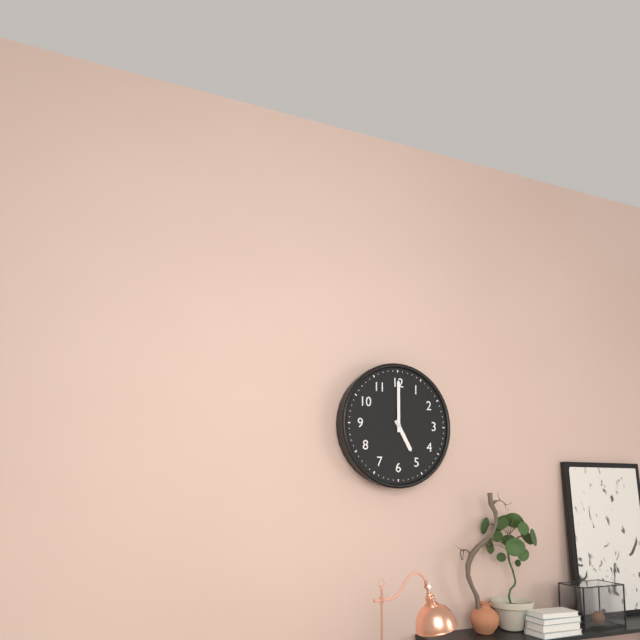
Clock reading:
{"hour": 5, "minute": 0}
